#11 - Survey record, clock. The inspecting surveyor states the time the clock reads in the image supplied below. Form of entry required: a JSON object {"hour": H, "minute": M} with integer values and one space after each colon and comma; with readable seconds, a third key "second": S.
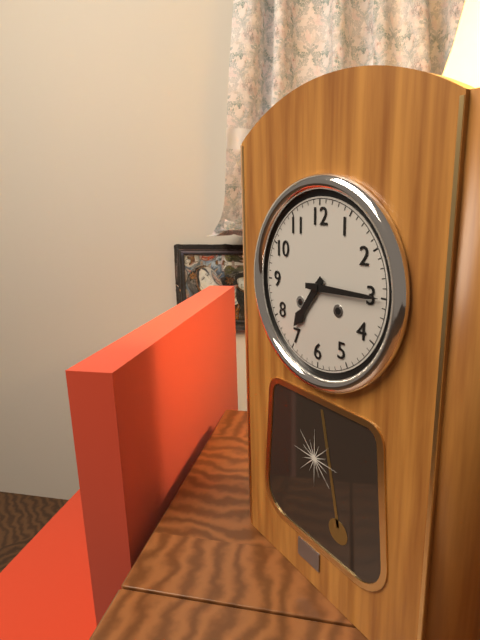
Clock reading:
{"hour": 7, "minute": 15}
